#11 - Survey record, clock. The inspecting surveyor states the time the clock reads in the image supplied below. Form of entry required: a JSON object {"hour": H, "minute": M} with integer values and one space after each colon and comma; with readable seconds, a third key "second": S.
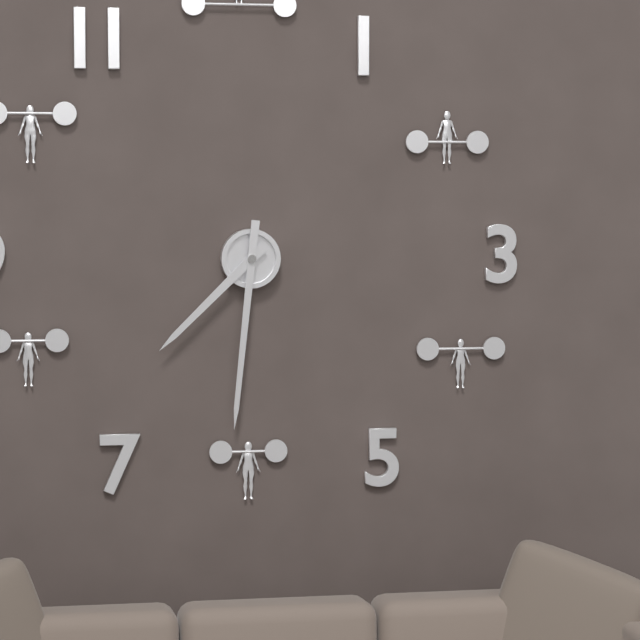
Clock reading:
{"hour": 7, "minute": 31}
